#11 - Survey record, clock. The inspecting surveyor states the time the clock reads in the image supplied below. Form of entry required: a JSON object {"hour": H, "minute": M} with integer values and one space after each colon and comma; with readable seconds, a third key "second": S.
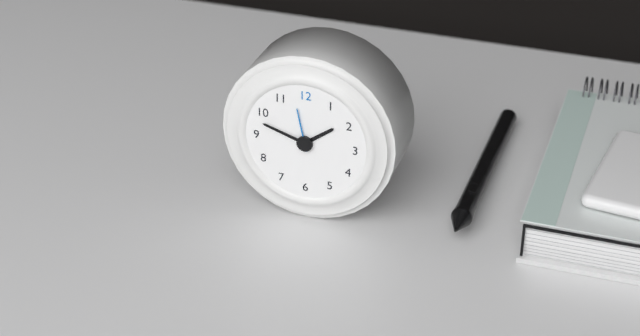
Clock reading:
{"hour": 1, "minute": 48}
